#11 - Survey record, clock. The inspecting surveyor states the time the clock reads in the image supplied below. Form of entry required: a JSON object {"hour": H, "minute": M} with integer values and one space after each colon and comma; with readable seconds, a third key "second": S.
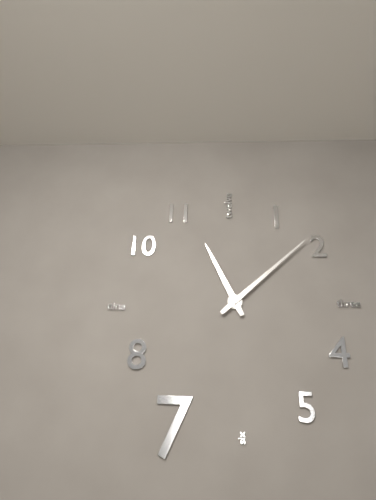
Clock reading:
{"hour": 11, "minute": 8}
